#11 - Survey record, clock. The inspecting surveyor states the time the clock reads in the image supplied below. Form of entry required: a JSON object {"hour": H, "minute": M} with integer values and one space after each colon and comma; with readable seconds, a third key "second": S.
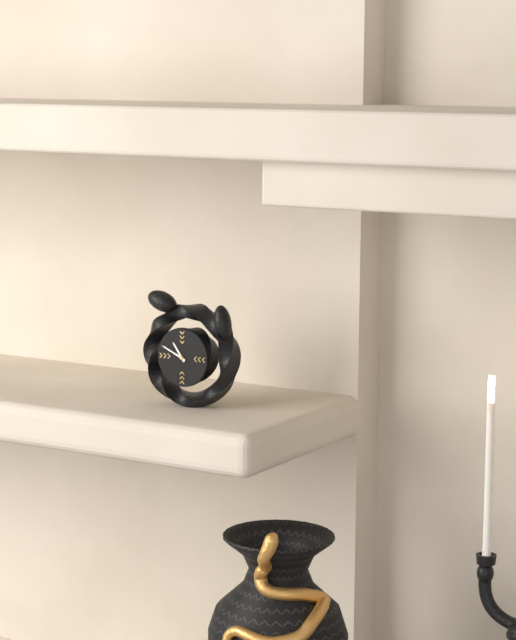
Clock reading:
{"hour": 10, "minute": 49}
